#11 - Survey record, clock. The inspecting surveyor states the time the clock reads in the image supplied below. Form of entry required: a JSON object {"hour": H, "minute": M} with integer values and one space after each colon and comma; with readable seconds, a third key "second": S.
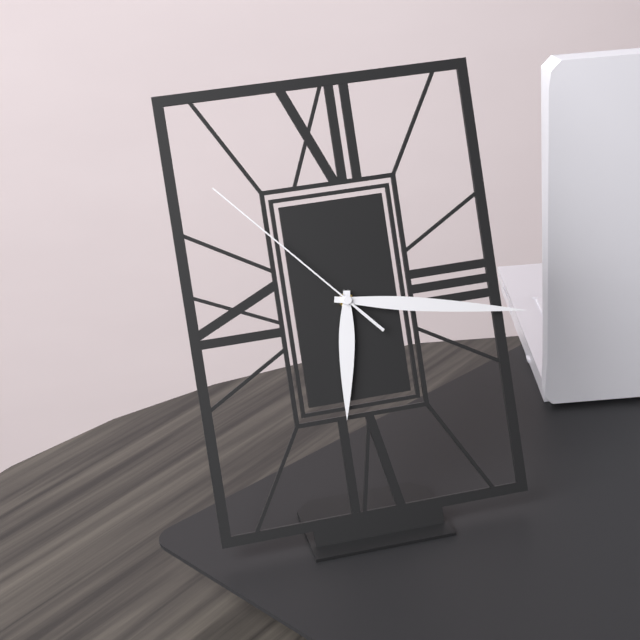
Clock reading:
{"hour": 6, "minute": 17, "second": 53}
